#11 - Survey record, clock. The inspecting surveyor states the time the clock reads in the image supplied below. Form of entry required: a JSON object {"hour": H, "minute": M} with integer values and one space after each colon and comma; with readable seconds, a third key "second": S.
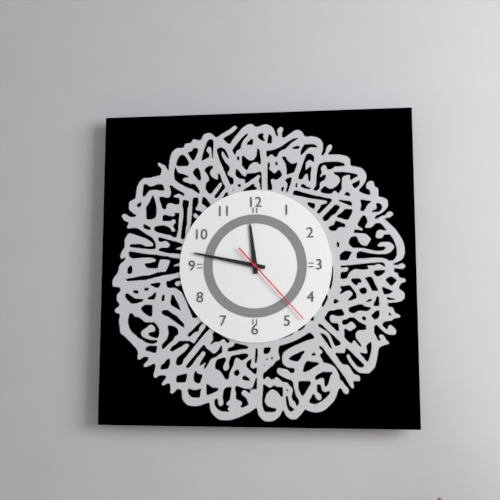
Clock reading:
{"hour": 11, "minute": 47, "second": 23}
